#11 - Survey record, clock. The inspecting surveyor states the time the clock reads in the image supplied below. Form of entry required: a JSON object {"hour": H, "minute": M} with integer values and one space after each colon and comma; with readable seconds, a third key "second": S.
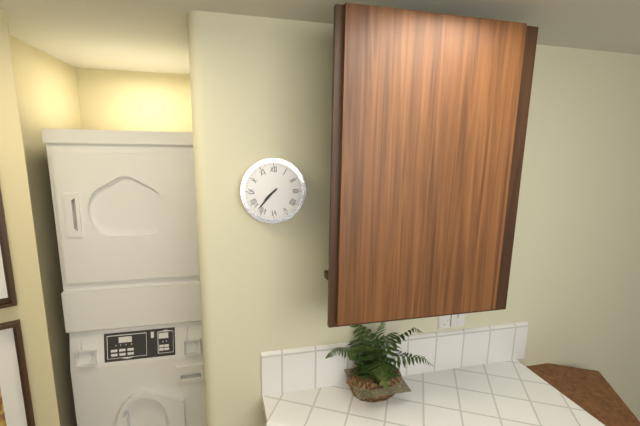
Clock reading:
{"hour": 7, "minute": 37}
